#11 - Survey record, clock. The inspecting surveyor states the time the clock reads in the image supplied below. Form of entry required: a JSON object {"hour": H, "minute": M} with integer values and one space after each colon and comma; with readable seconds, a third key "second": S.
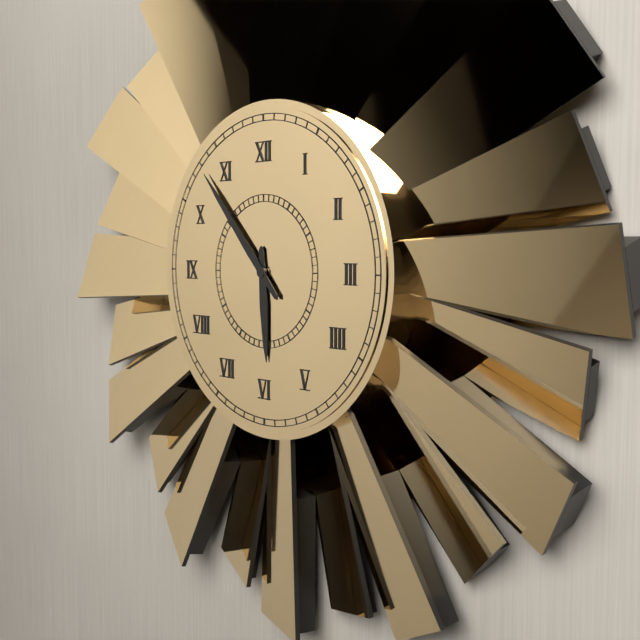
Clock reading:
{"hour": 5, "minute": 53}
